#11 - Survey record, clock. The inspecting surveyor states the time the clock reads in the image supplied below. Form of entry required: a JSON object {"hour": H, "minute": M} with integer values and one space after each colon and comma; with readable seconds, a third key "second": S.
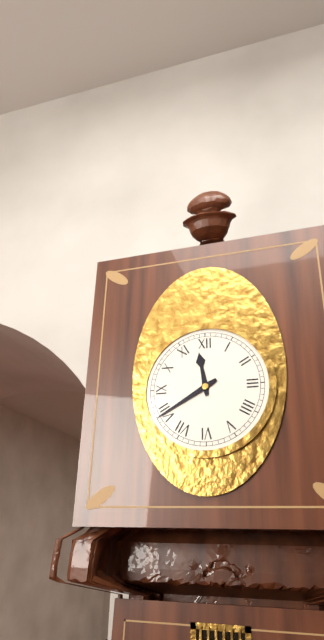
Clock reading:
{"hour": 11, "minute": 40}
